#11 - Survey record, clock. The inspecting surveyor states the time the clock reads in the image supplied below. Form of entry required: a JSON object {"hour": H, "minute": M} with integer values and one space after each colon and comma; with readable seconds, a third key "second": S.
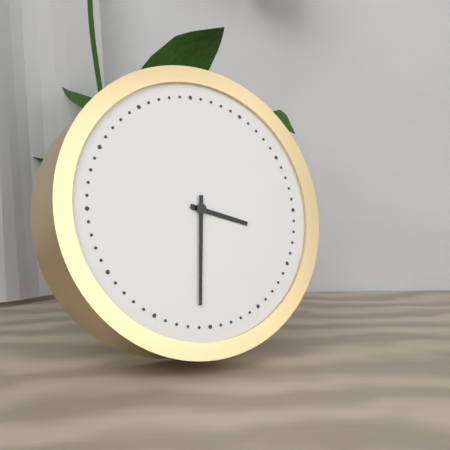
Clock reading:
{"hour": 3, "minute": 31}
